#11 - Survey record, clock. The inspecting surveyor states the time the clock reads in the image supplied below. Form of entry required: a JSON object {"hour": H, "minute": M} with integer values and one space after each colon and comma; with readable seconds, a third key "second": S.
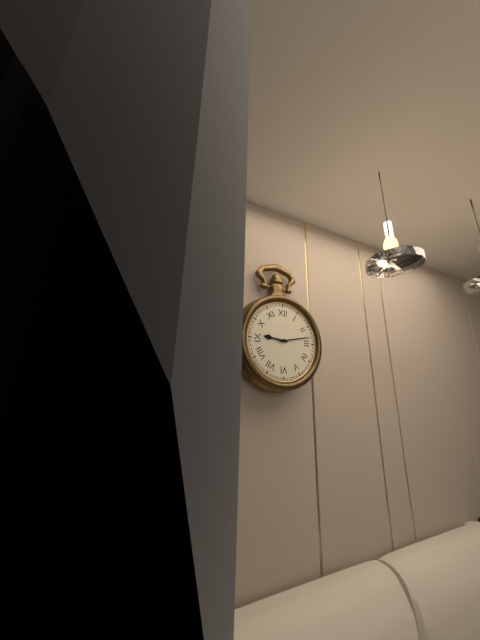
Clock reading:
{"hour": 9, "minute": 13}
